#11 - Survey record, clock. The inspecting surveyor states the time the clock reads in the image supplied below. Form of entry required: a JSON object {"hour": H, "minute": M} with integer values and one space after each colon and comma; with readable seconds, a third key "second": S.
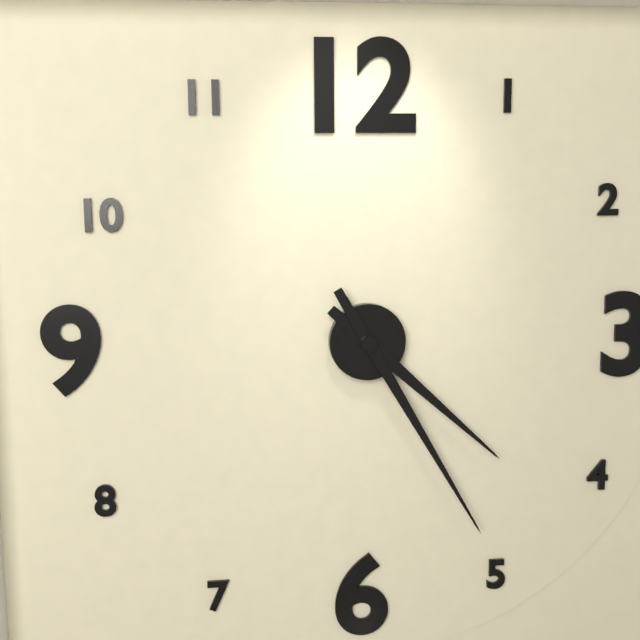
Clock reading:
{"hour": 4, "minute": 25}
